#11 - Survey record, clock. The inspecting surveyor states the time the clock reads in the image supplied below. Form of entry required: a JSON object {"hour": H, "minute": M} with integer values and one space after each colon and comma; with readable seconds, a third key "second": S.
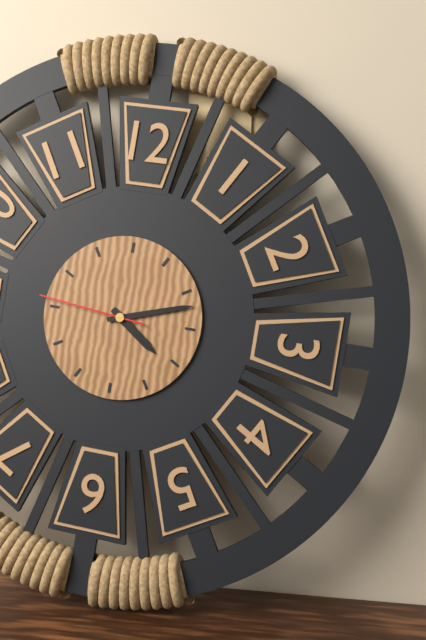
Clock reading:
{"hour": 4, "minute": 12, "second": 46}
